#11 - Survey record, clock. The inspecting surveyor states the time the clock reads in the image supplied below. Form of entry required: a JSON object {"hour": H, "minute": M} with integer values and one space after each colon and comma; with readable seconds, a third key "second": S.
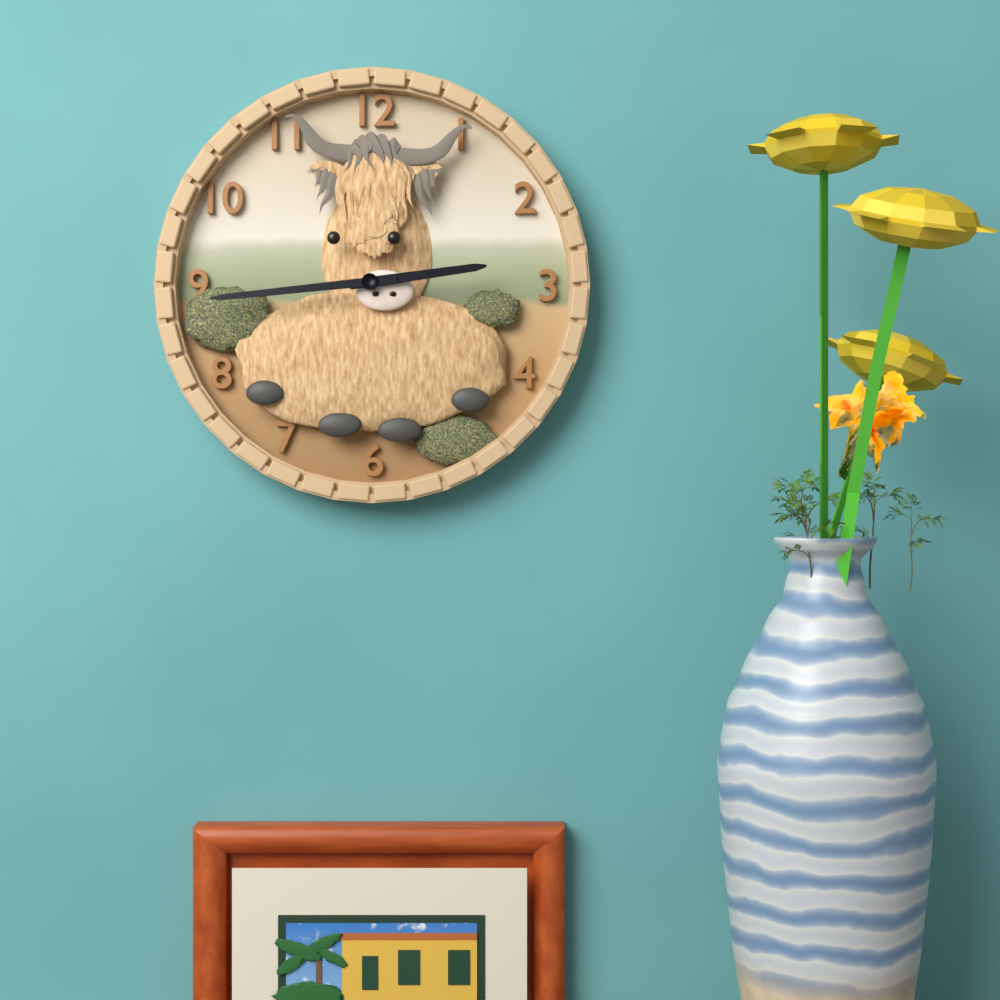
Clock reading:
{"hour": 2, "minute": 44}
